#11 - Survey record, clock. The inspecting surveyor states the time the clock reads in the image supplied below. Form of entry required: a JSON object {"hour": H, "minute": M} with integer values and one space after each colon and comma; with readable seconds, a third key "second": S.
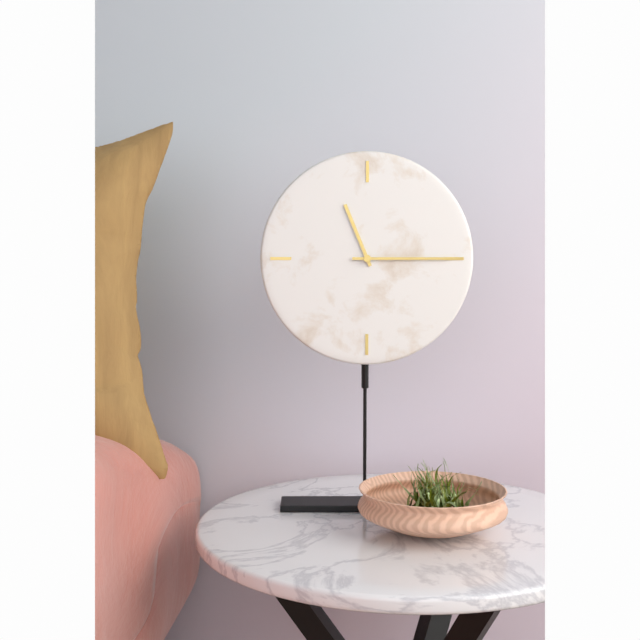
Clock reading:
{"hour": 11, "minute": 15}
